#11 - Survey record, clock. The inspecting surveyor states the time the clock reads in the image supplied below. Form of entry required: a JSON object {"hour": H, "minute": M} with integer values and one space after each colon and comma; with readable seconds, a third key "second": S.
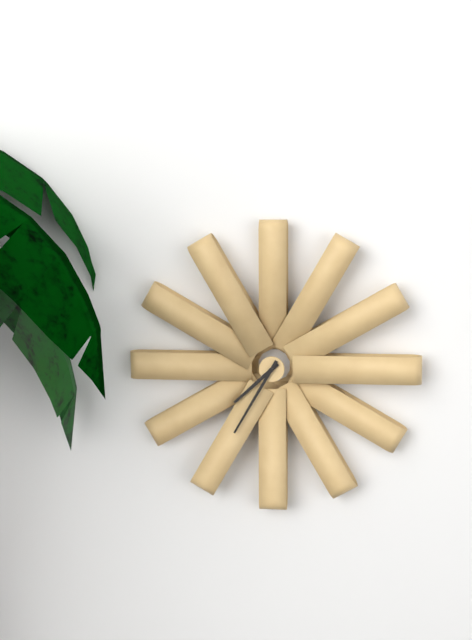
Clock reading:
{"hour": 7, "minute": 35}
